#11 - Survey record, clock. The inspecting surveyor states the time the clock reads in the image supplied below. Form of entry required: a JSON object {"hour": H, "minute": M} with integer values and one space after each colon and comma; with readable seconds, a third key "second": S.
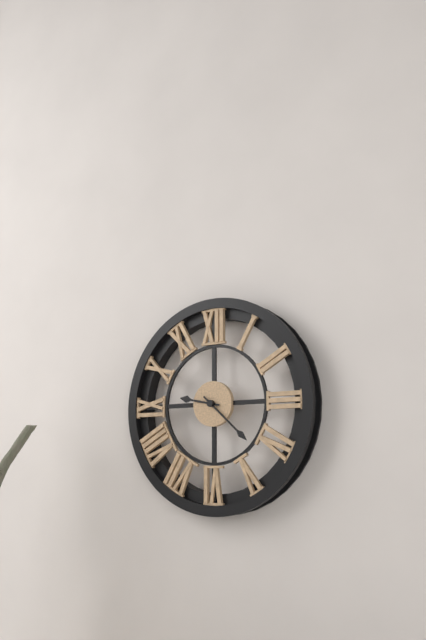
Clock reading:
{"hour": 9, "minute": 22}
